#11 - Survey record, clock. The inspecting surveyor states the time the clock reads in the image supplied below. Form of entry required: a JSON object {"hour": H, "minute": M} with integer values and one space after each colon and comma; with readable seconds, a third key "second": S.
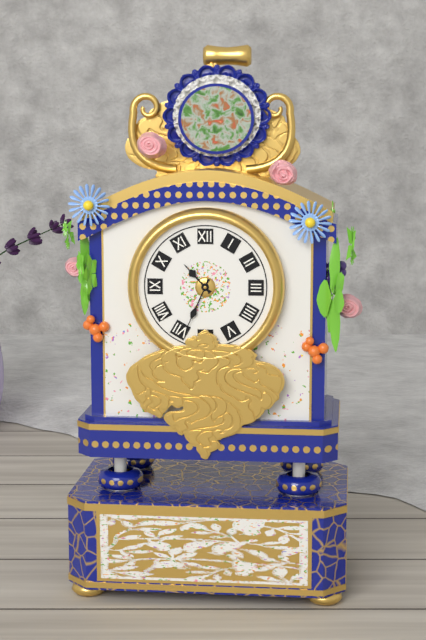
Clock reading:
{"hour": 10, "minute": 34}
